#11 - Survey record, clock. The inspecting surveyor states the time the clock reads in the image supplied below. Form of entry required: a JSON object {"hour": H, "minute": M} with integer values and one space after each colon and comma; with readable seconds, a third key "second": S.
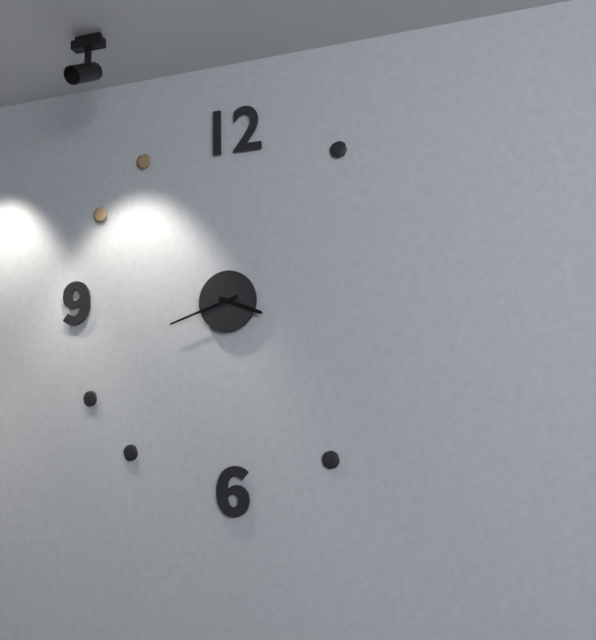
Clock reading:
{"hour": 3, "minute": 42}
